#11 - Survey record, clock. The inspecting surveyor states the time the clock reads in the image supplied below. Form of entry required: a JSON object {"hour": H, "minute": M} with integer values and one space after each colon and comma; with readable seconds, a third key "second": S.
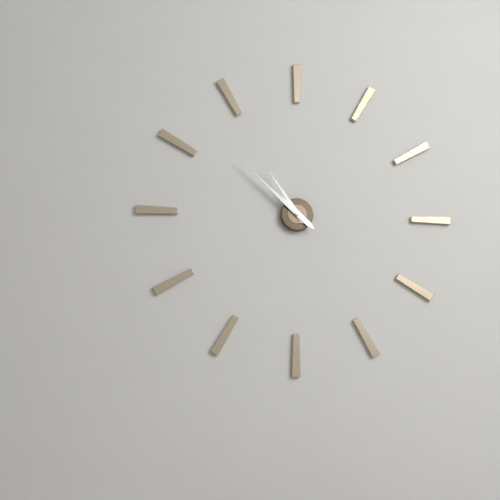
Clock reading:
{"hour": 10, "minute": 52}
